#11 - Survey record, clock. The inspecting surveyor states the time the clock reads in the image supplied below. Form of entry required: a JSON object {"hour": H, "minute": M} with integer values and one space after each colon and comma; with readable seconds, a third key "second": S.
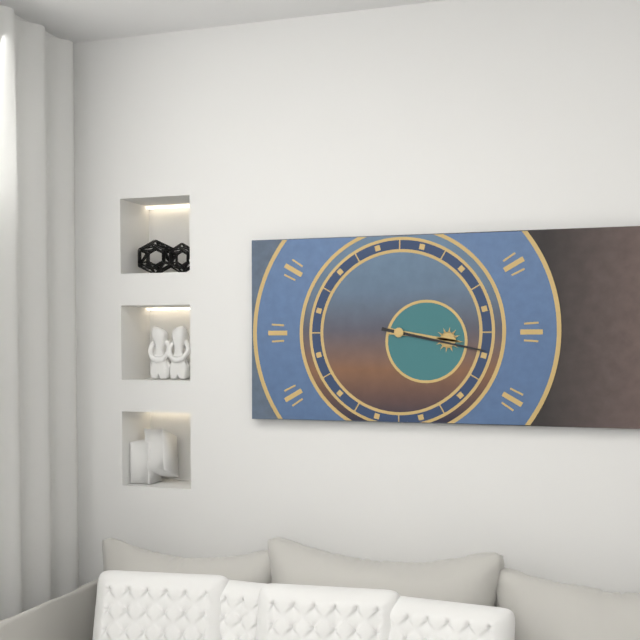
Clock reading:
{"hour": 3, "minute": 17}
